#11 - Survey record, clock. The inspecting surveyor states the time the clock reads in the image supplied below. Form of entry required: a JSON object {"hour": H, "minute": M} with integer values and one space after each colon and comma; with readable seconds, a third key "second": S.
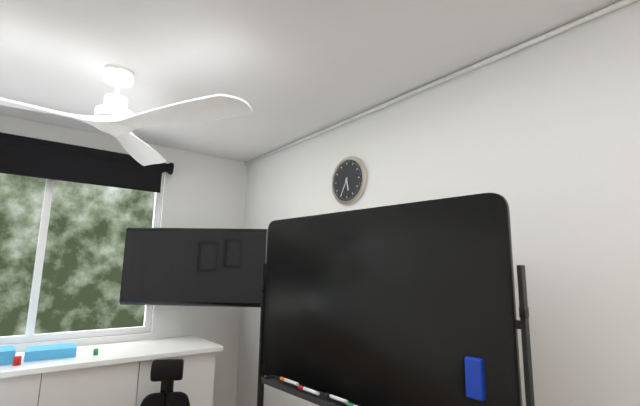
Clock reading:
{"hour": 5, "minute": 35}
